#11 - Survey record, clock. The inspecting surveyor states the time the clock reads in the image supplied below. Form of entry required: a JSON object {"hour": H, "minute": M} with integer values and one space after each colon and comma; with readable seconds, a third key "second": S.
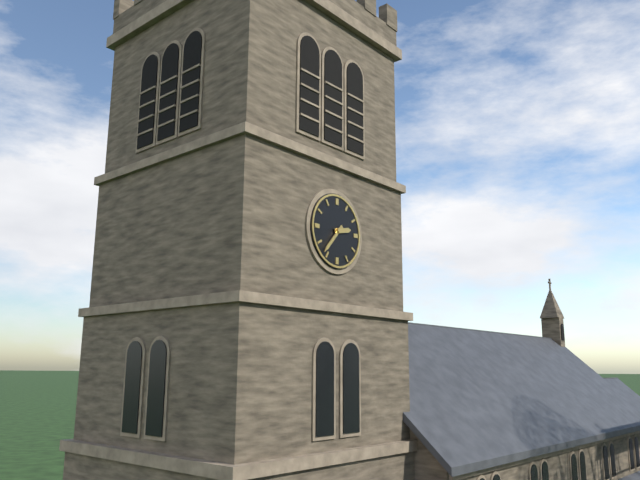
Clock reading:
{"hour": 2, "minute": 37}
